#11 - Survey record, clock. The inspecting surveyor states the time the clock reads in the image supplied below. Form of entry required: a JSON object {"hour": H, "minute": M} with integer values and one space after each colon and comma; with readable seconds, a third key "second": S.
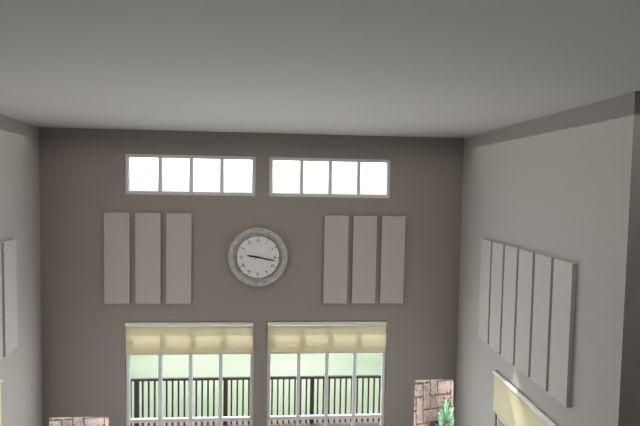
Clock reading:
{"hour": 9, "minute": 17}
